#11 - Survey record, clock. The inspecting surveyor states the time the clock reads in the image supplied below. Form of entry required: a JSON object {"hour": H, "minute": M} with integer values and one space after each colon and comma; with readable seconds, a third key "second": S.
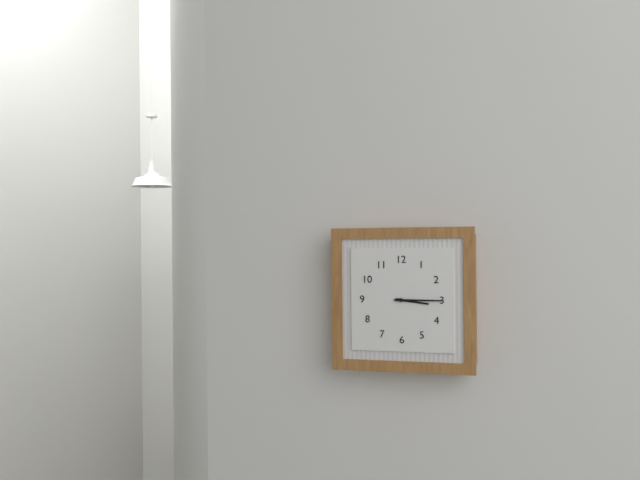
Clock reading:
{"hour": 3, "minute": 15}
